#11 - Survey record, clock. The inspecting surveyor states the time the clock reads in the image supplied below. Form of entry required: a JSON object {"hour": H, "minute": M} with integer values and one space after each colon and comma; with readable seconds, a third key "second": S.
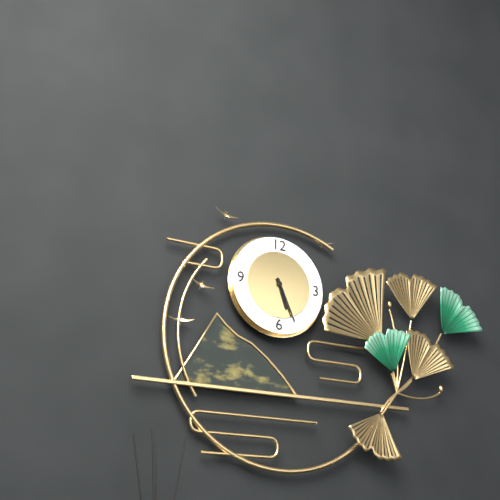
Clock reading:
{"hour": 5, "minute": 26}
